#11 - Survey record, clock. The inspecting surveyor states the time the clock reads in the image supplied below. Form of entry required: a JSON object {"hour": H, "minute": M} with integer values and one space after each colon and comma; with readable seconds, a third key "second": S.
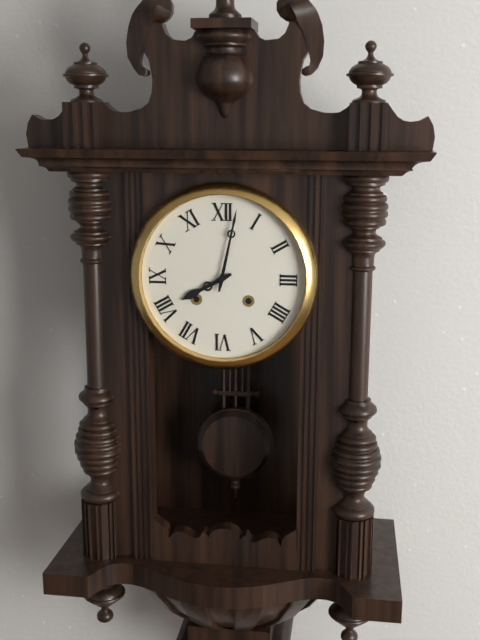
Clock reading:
{"hour": 8, "minute": 2}
